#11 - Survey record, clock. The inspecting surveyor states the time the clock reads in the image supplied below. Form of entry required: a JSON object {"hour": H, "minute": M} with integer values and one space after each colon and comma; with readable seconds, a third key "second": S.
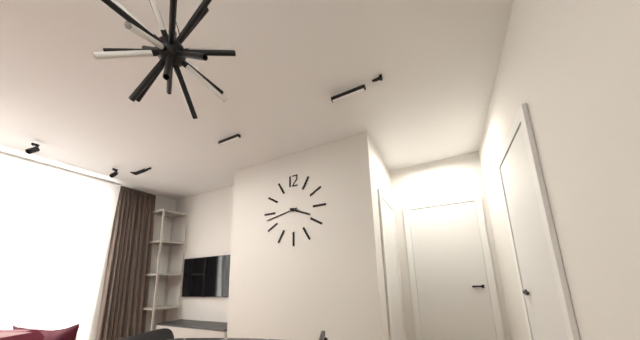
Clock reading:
{"hour": 3, "minute": 43}
